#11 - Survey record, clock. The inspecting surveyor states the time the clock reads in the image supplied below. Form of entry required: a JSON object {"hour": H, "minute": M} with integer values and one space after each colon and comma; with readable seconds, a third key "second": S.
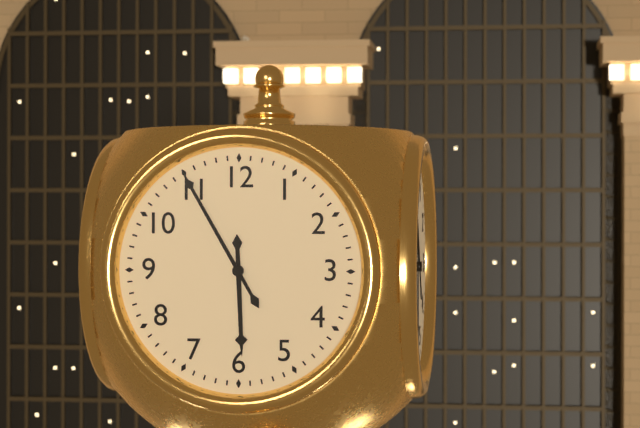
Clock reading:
{"hour": 5, "minute": 55}
